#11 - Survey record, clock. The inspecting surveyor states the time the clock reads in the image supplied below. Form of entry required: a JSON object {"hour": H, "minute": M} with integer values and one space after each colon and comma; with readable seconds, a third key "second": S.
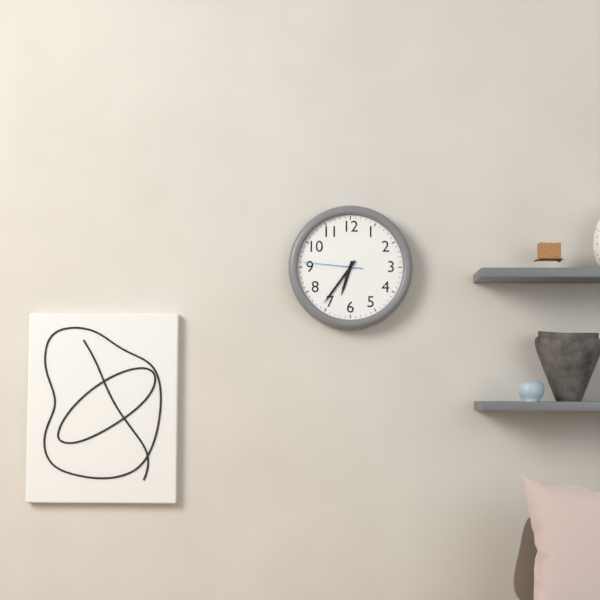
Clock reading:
{"hour": 6, "minute": 36, "second": 46}
